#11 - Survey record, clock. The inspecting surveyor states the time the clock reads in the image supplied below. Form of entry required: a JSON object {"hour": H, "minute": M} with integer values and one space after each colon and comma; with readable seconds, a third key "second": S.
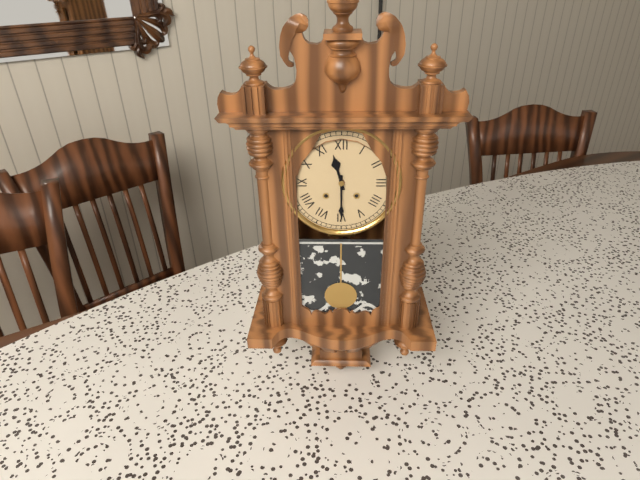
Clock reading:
{"hour": 11, "minute": 30}
